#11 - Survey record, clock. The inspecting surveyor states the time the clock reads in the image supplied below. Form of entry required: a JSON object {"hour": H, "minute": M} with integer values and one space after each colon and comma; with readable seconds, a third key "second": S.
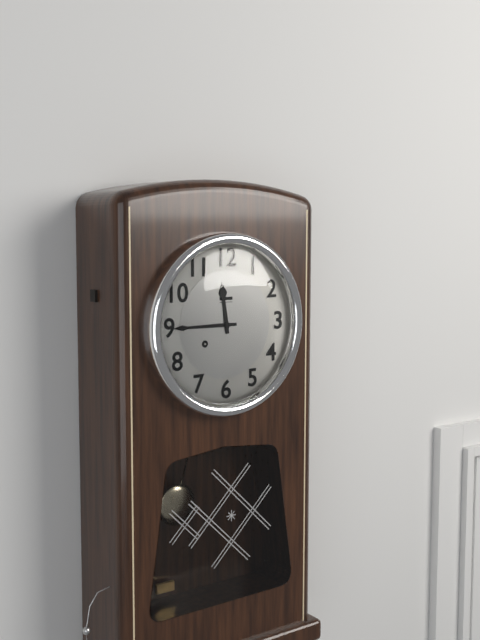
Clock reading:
{"hour": 11, "minute": 45}
